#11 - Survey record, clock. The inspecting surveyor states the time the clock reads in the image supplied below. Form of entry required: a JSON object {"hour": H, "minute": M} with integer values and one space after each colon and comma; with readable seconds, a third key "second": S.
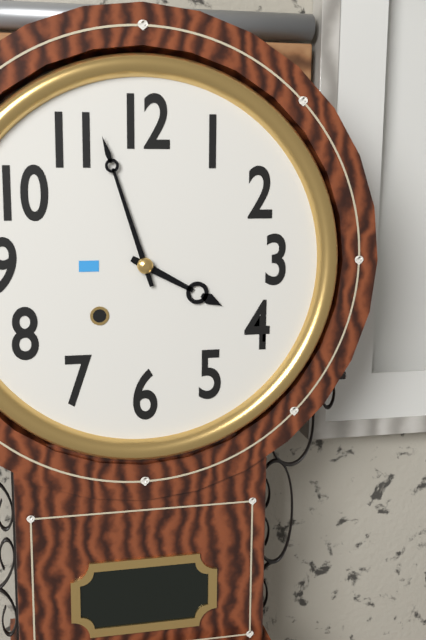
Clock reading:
{"hour": 3, "minute": 57}
